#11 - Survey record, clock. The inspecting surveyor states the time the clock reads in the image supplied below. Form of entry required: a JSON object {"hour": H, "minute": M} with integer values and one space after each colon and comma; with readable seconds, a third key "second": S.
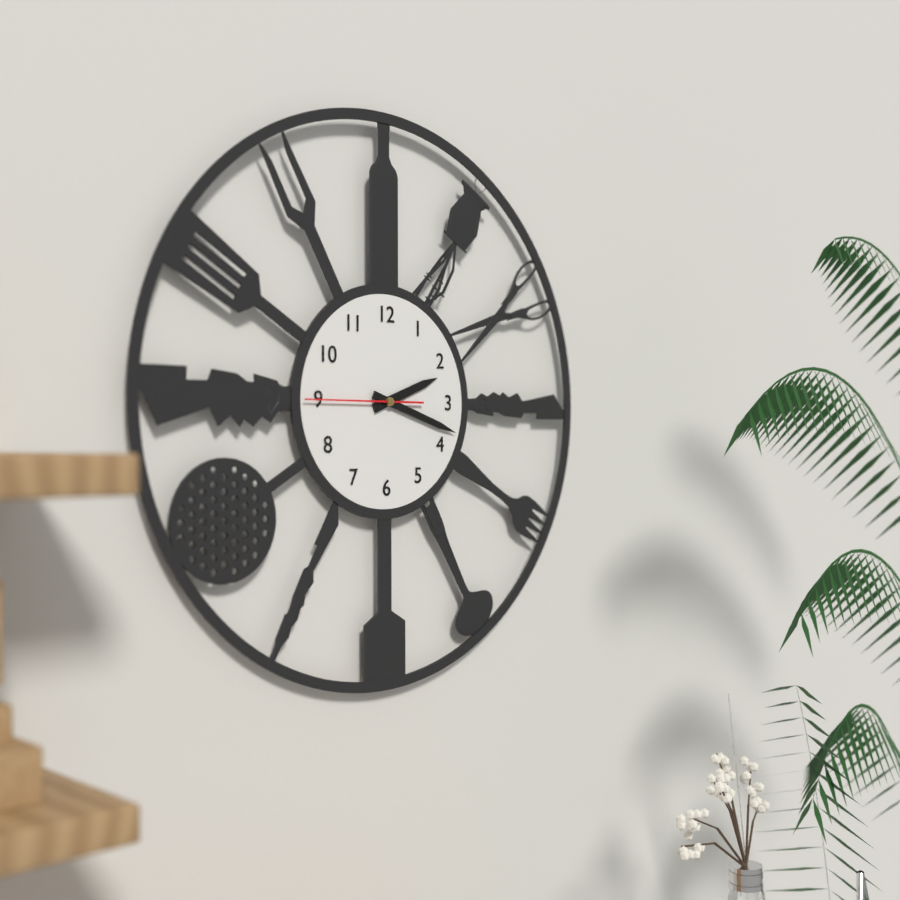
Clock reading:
{"hour": 2, "minute": 18, "second": 45}
